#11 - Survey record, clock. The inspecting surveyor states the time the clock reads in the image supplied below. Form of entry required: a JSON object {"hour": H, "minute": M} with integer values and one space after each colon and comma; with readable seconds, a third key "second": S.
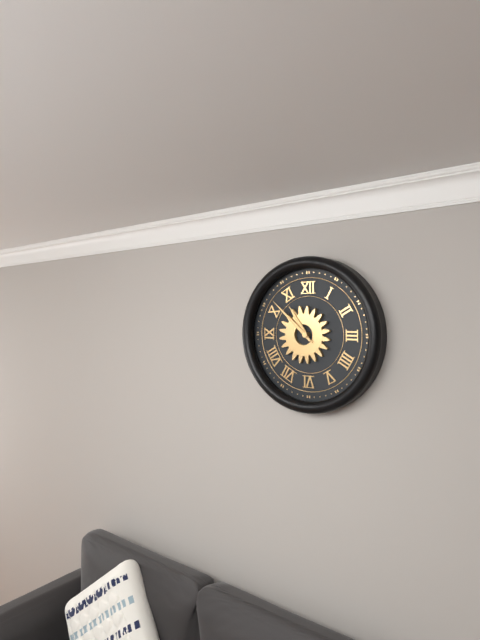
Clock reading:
{"hour": 10, "minute": 52}
